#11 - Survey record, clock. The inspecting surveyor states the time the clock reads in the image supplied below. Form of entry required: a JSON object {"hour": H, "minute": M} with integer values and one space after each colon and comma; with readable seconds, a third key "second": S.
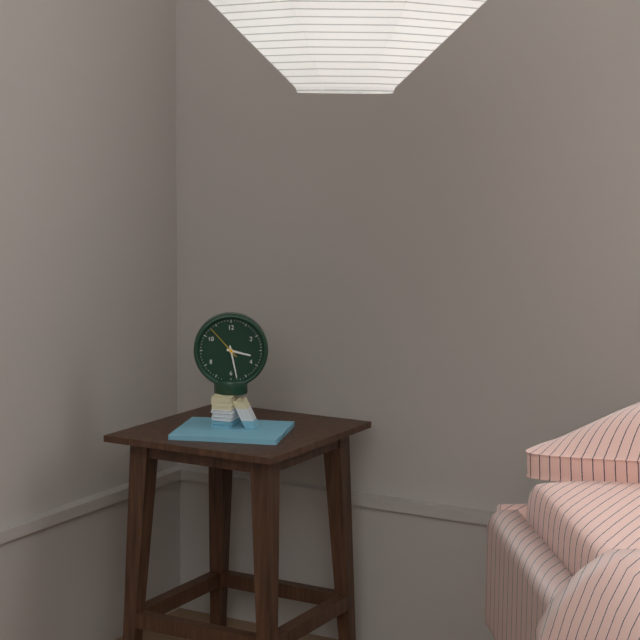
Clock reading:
{"hour": 3, "minute": 28}
